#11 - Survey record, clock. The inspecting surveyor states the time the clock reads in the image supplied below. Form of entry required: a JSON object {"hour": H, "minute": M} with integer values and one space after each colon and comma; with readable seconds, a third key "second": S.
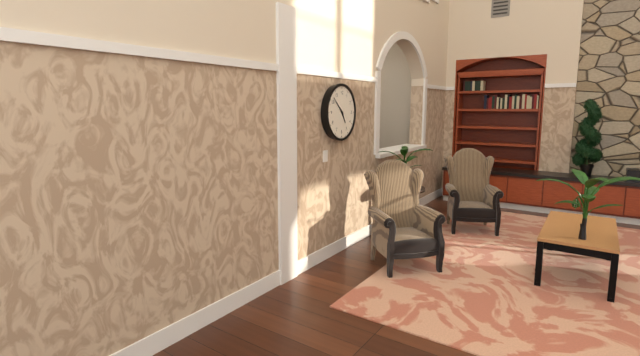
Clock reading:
{"hour": 4, "minute": 52}
